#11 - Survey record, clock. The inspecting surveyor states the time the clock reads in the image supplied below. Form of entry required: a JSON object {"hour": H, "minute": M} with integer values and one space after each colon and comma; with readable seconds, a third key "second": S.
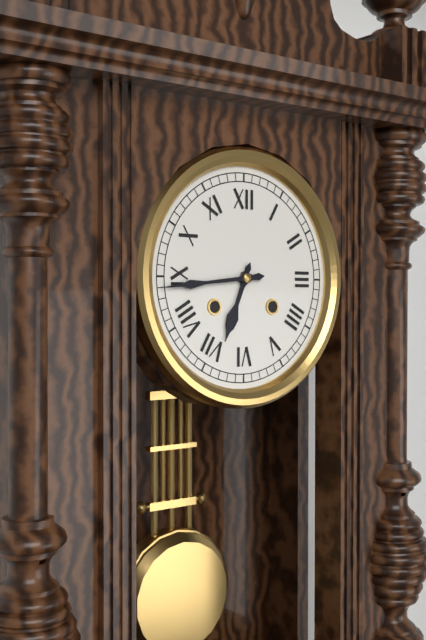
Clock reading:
{"hour": 6, "minute": 44}
